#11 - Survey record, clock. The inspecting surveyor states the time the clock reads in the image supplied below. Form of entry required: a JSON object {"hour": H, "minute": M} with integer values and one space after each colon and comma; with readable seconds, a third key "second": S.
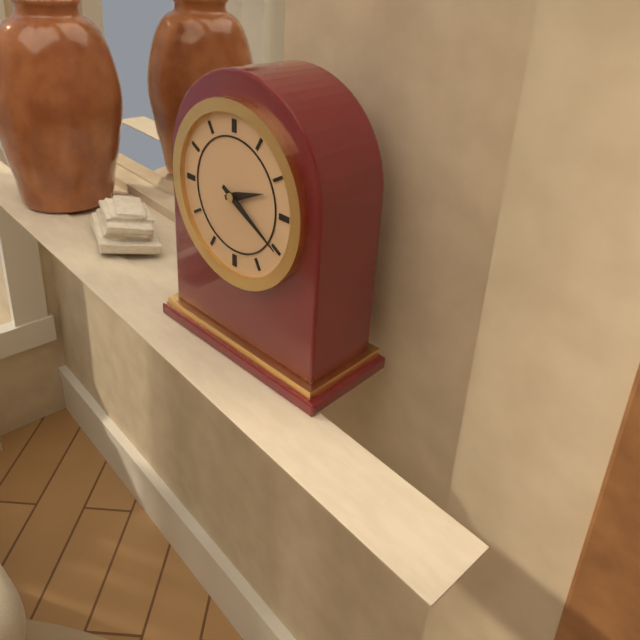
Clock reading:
{"hour": 2, "minute": 20}
